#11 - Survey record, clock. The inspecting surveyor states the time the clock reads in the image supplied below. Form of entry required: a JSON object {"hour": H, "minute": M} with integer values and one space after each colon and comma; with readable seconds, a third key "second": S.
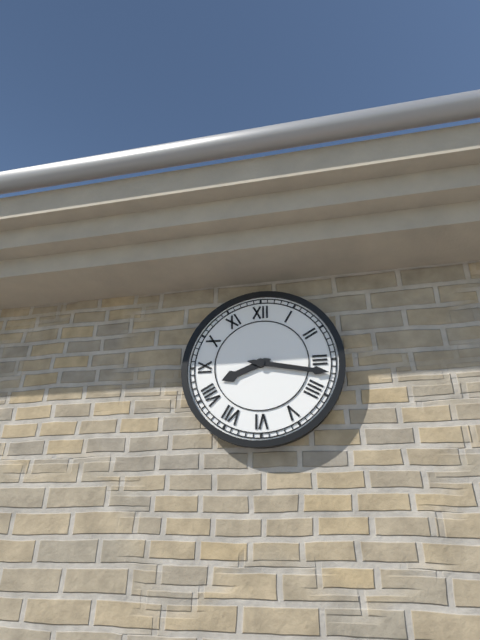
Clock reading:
{"hour": 8, "minute": 17}
